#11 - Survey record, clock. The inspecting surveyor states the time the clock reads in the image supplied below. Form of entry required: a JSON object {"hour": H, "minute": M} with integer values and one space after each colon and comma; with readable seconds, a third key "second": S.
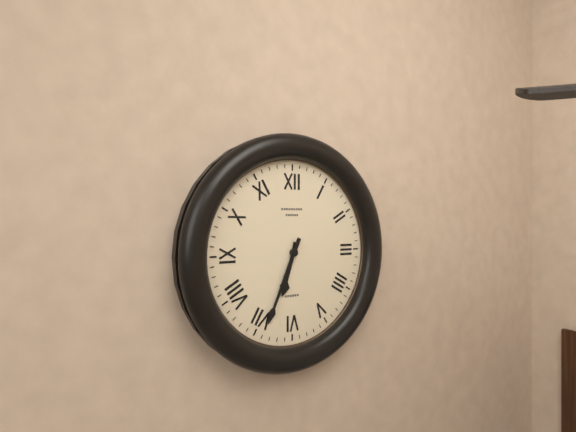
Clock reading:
{"hour": 6, "minute": 34}
